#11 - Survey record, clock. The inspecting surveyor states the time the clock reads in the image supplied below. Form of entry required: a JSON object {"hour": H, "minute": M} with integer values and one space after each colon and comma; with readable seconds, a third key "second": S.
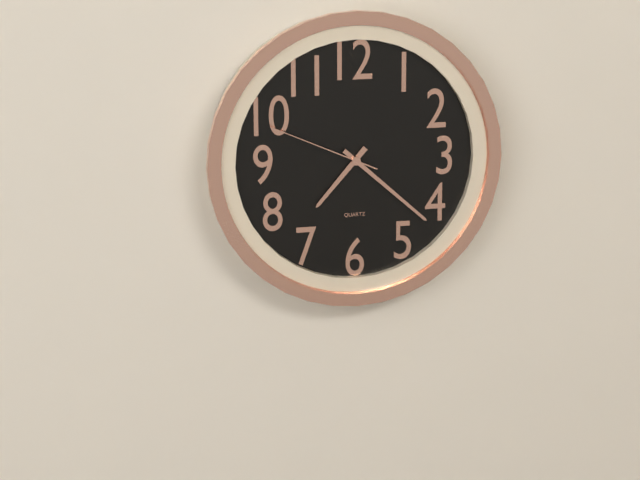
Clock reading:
{"hour": 7, "minute": 22, "second": 49}
